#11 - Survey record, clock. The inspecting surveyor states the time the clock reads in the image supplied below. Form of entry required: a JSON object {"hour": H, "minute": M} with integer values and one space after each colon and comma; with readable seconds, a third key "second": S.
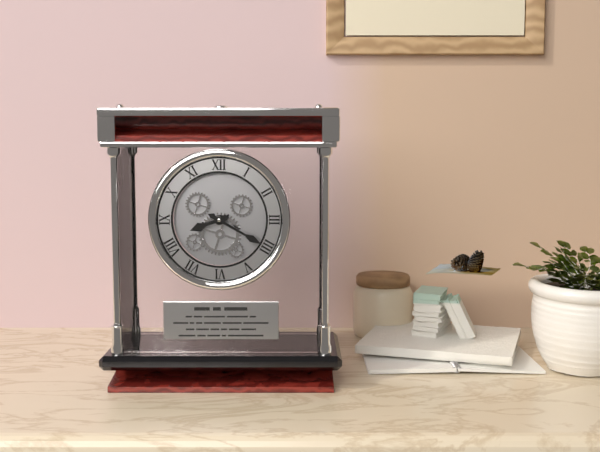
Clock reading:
{"hour": 8, "minute": 20}
